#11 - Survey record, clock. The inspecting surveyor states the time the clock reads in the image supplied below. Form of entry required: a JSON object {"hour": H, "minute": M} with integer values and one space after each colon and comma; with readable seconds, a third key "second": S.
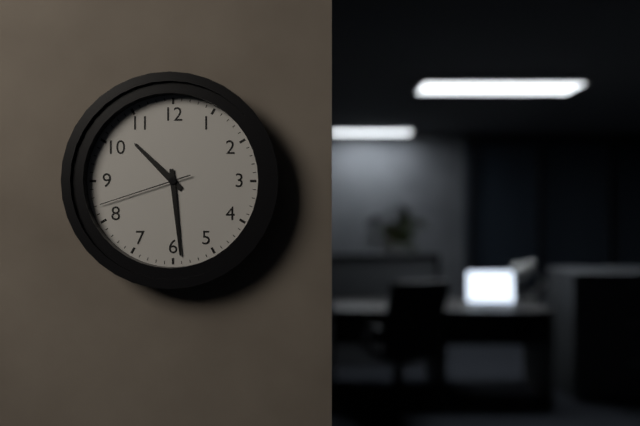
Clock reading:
{"hour": 10, "minute": 29, "second": 42}
